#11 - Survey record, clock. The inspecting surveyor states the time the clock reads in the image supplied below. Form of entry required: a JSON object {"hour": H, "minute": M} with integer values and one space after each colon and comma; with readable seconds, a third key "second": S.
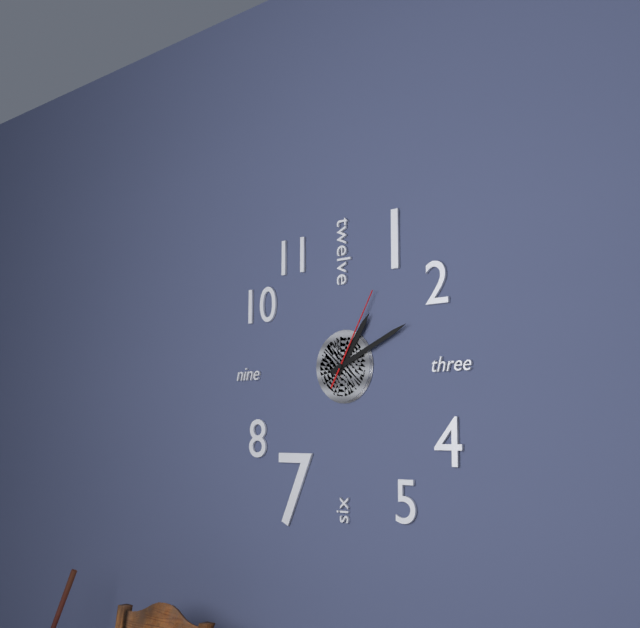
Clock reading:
{"hour": 1, "minute": 11, "second": 5}
